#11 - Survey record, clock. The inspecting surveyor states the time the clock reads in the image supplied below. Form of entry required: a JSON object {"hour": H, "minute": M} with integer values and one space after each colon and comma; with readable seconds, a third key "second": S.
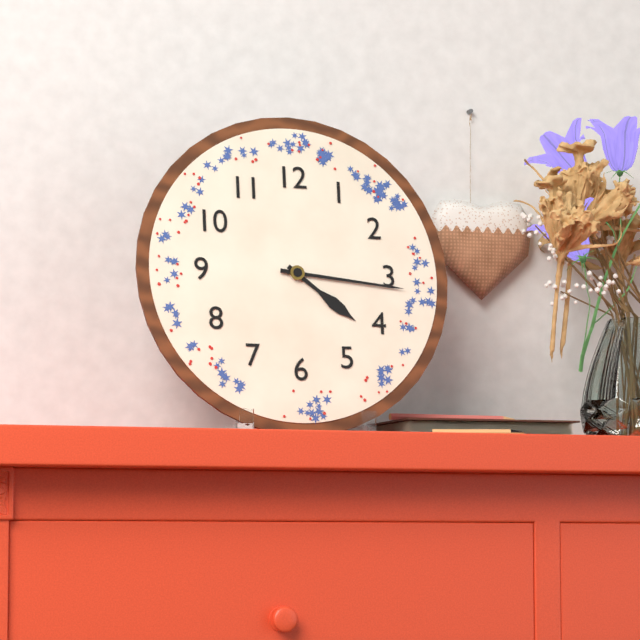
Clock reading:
{"hour": 4, "minute": 16}
